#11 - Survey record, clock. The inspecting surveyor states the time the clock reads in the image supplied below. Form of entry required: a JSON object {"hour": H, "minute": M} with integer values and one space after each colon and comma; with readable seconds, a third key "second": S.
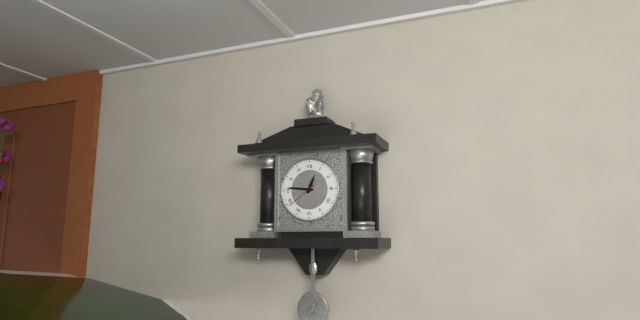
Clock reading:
{"hour": 12, "minute": 46}
